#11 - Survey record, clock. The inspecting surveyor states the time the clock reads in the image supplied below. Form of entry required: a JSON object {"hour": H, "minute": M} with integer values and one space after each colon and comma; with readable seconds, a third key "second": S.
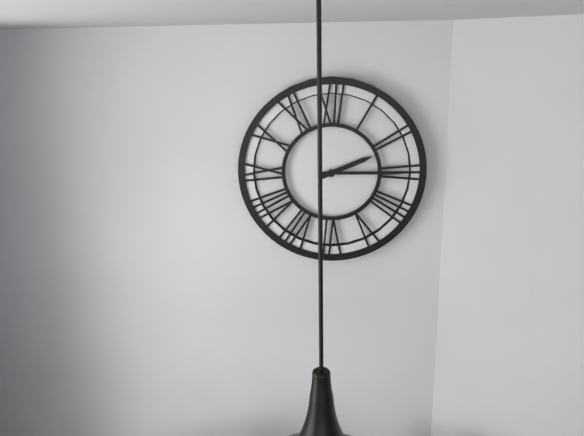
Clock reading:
{"hour": 2, "minute": 15}
